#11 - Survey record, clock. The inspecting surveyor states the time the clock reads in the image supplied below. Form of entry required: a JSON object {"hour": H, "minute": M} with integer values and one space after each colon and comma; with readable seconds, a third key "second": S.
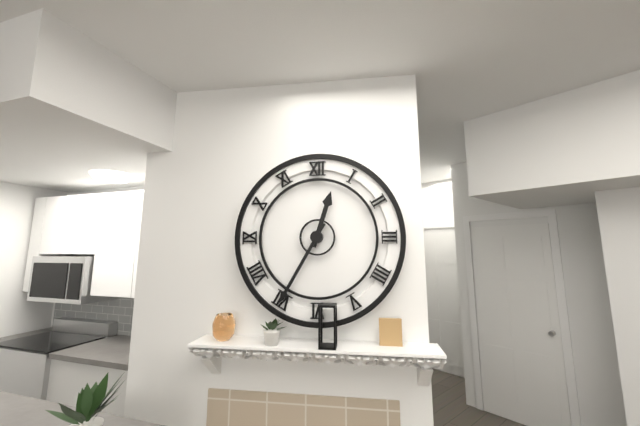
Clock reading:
{"hour": 12, "minute": 35}
